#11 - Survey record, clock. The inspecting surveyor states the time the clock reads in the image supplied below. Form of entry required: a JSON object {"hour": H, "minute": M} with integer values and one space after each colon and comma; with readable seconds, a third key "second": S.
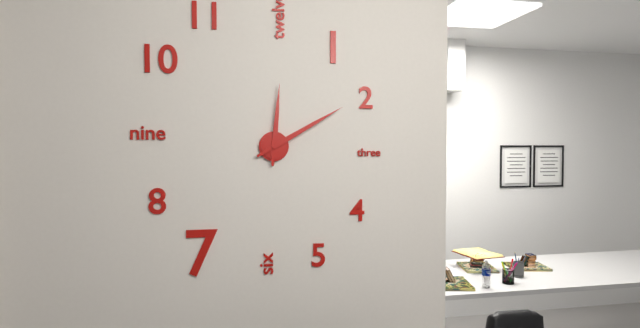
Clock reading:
{"hour": 12, "minute": 10}
